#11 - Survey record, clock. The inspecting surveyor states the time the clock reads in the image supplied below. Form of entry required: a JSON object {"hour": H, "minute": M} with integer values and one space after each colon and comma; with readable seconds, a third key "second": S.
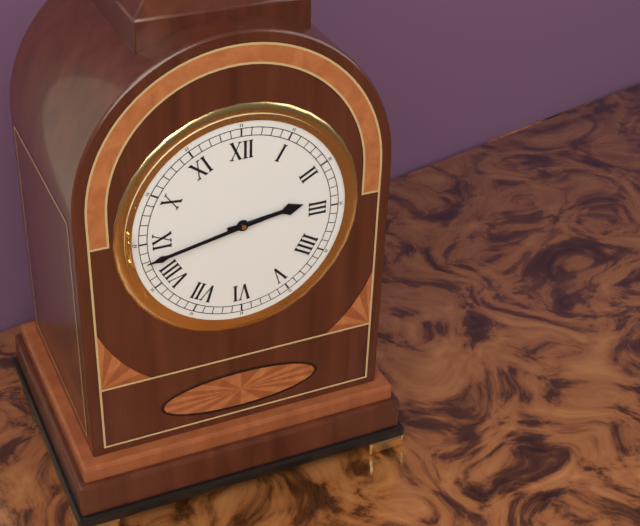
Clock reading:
{"hour": 2, "minute": 43}
